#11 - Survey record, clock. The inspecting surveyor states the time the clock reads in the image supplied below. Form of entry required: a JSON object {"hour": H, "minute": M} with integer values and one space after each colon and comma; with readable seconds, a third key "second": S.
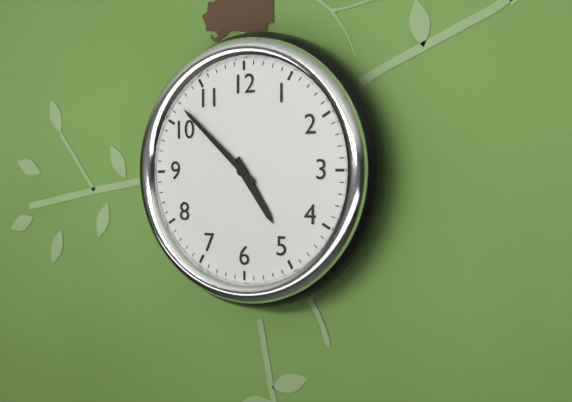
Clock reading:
{"hour": 4, "minute": 52}
